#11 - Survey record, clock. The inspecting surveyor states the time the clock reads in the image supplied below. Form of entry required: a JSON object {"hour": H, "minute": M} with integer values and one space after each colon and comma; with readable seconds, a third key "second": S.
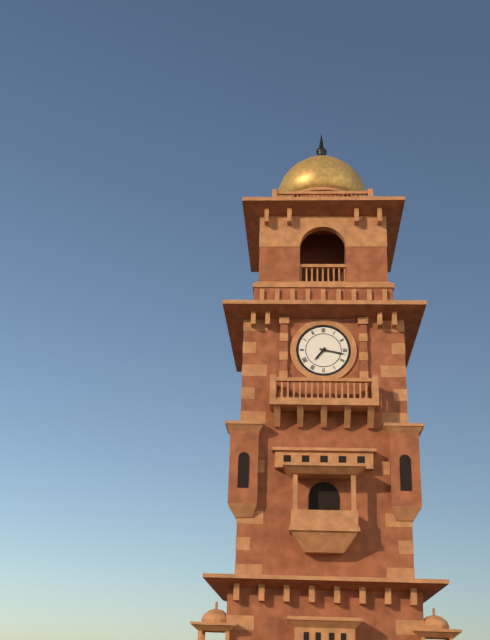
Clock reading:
{"hour": 7, "minute": 17}
